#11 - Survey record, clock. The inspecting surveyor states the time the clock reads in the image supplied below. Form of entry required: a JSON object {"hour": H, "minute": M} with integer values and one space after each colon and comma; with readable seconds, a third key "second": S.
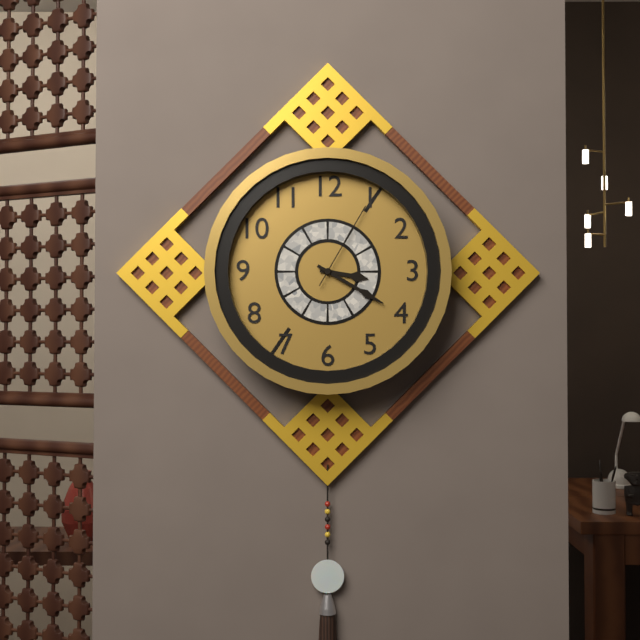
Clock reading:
{"hour": 3, "minute": 20, "second": 5}
